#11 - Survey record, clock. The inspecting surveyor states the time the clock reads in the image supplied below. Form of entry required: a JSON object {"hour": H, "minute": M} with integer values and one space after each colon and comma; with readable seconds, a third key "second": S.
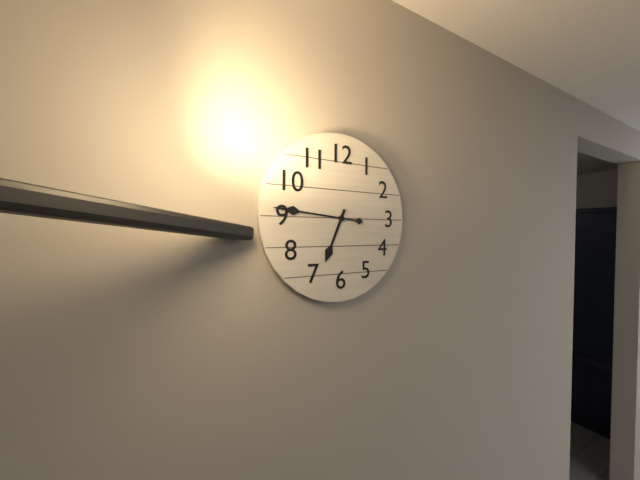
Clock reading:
{"hour": 6, "minute": 46}
